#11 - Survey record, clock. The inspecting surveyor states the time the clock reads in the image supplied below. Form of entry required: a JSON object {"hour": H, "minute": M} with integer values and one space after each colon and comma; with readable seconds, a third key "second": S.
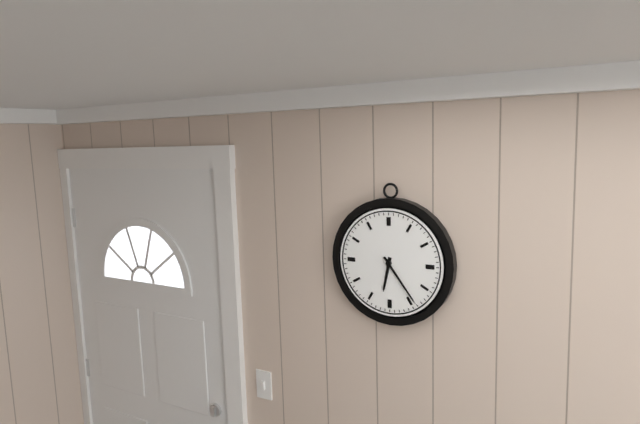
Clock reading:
{"hour": 6, "minute": 24}
